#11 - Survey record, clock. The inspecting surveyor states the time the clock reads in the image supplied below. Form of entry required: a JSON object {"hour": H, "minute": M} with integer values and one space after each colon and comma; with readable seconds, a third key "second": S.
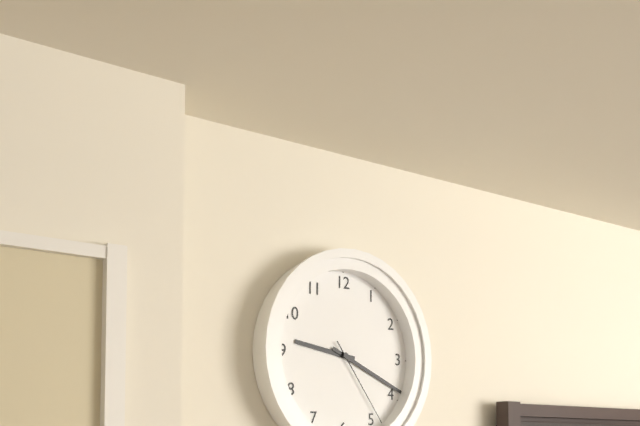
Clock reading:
{"hour": 9, "minute": 19, "second": 24}
